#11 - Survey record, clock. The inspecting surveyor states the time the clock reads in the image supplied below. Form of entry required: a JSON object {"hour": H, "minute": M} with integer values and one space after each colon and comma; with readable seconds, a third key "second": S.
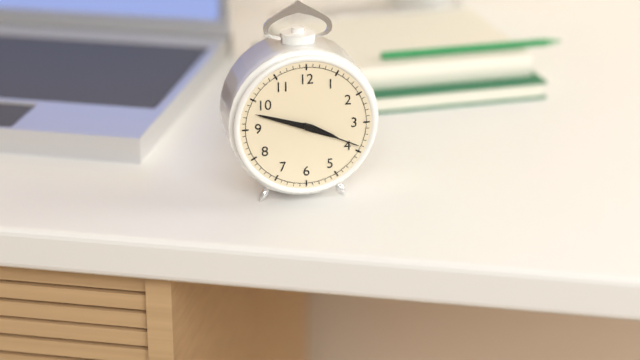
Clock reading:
{"hour": 3, "minute": 48, "second": 19}
